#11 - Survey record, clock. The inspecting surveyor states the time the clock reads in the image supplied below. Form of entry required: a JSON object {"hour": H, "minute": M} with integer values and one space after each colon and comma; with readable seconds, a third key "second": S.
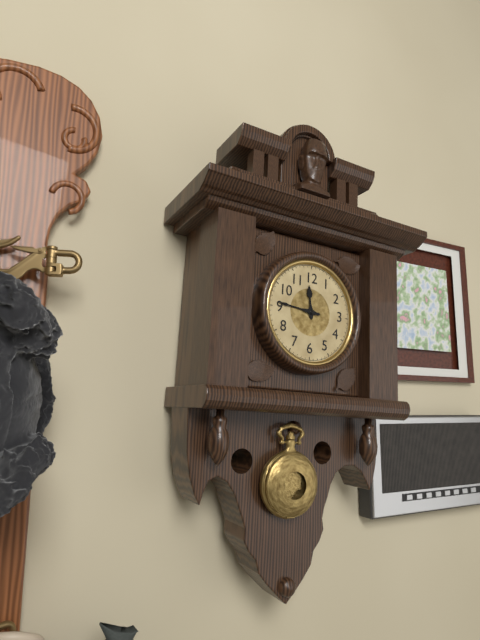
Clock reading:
{"hour": 11, "minute": 46}
